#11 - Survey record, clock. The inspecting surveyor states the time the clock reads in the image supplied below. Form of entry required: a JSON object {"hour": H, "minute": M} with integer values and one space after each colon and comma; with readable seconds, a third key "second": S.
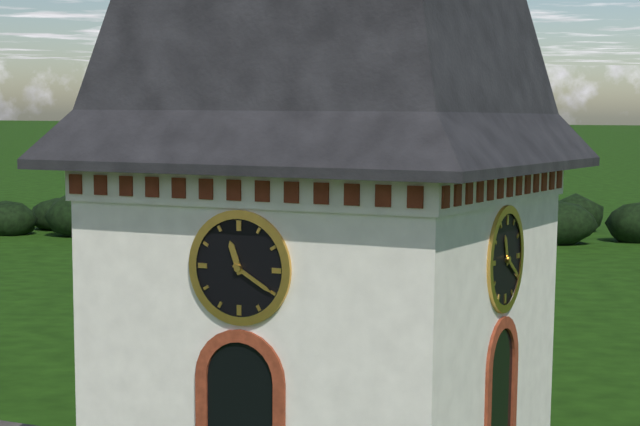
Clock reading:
{"hour": 11, "minute": 20}
